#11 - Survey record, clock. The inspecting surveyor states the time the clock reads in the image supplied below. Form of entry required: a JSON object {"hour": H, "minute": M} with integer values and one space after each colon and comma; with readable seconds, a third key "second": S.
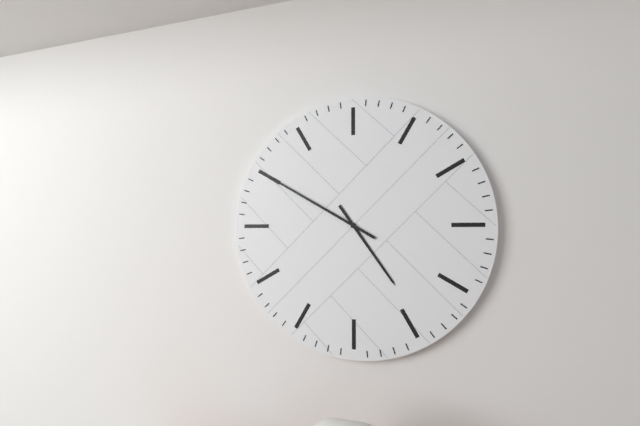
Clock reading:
{"hour": 4, "minute": 50}
